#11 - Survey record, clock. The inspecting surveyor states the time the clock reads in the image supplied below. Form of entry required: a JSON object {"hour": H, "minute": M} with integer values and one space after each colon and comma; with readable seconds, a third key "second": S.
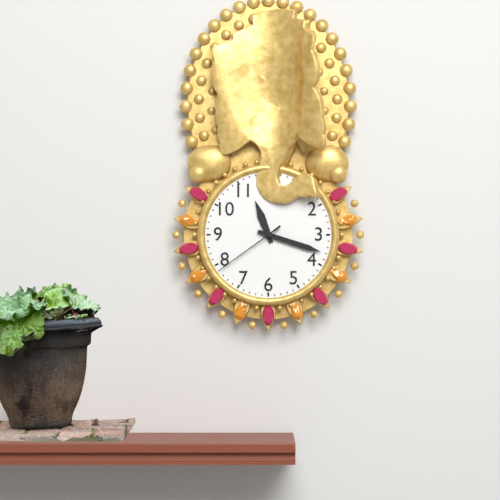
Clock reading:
{"hour": 11, "minute": 18, "second": 39}
